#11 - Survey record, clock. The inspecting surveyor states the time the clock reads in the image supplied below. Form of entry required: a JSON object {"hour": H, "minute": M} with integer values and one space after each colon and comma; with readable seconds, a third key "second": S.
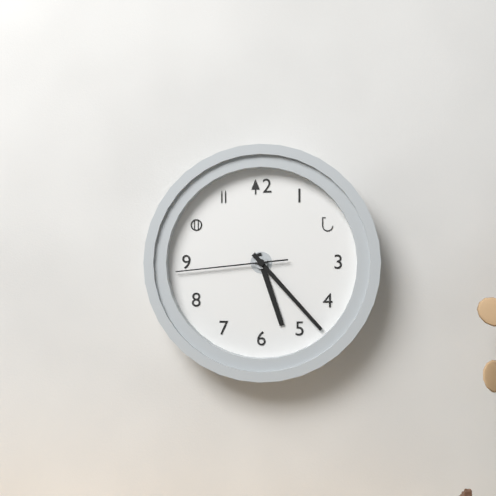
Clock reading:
{"hour": 5, "minute": 23, "second": 44}
